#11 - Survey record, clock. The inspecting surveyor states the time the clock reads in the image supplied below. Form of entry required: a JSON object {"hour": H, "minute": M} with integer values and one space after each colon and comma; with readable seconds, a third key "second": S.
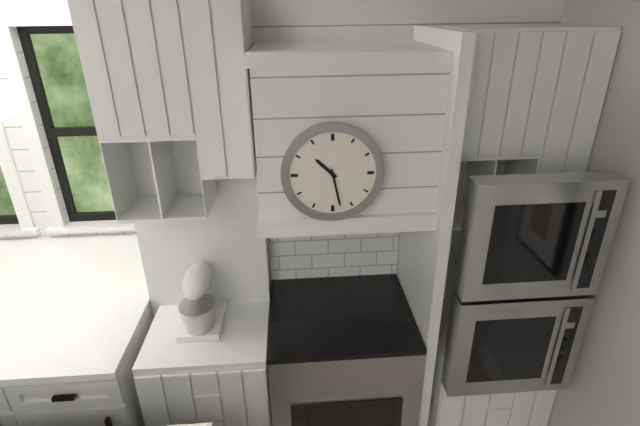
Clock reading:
{"hour": 10, "minute": 28}
